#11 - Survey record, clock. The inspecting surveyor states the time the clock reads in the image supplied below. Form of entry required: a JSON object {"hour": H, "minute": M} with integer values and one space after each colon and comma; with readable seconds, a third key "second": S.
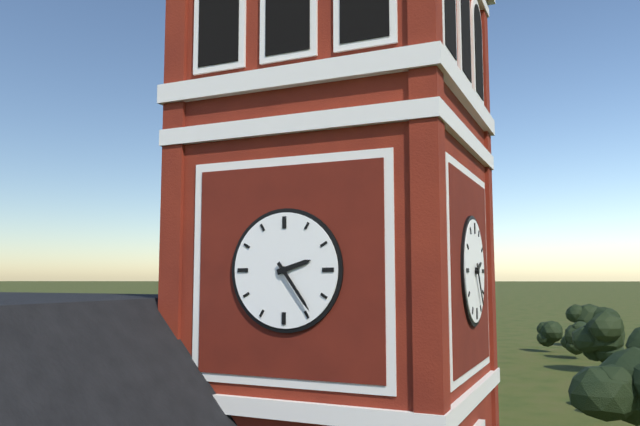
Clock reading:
{"hour": 2, "minute": 24}
